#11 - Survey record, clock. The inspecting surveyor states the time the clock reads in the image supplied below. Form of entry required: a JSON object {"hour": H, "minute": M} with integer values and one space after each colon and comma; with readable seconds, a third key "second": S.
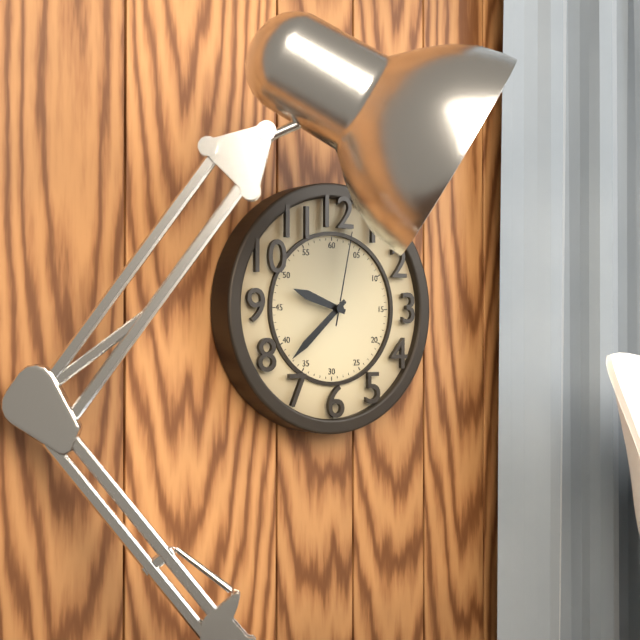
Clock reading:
{"hour": 9, "minute": 38, "second": 2}
